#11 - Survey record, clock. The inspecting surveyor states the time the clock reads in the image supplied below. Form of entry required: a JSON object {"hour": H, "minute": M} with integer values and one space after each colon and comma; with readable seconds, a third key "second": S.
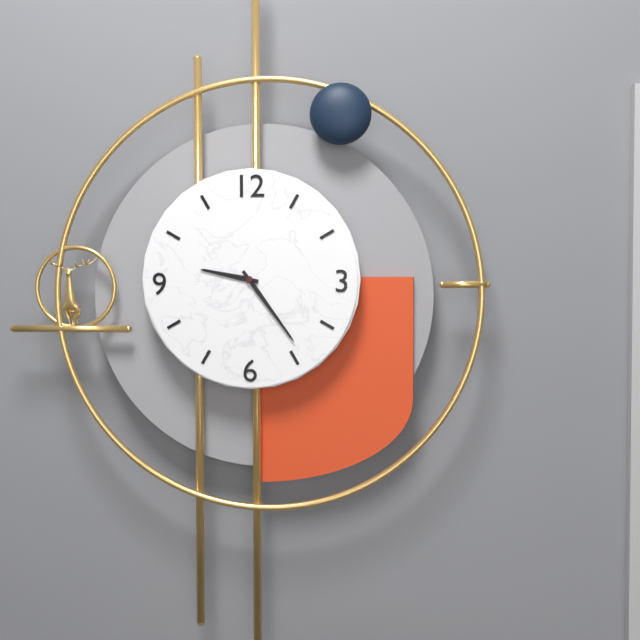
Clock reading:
{"hour": 9, "minute": 24}
